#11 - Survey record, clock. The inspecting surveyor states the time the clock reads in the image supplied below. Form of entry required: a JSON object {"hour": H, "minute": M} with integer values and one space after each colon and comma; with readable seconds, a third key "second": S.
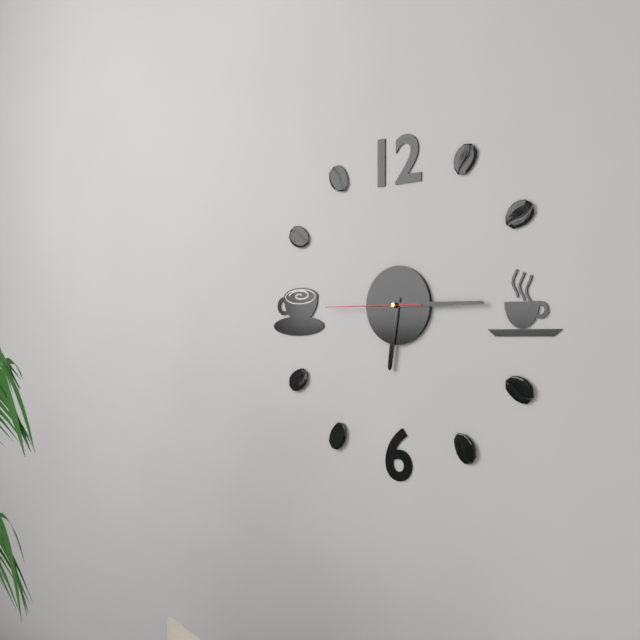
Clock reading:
{"hour": 6, "minute": 15, "second": 45}
